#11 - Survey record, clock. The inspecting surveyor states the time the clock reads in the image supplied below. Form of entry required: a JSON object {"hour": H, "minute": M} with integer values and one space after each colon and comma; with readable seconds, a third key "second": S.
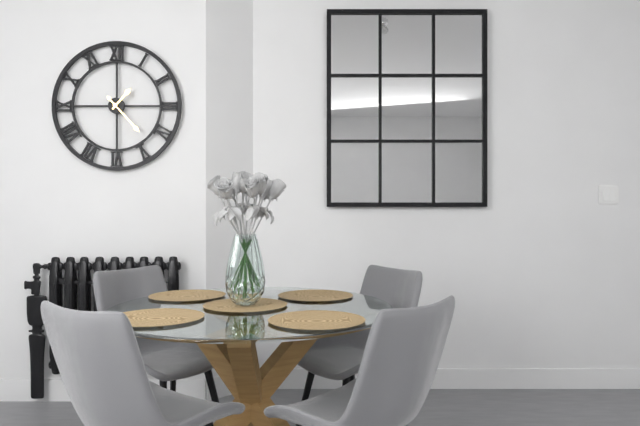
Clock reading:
{"hour": 1, "minute": 23}
